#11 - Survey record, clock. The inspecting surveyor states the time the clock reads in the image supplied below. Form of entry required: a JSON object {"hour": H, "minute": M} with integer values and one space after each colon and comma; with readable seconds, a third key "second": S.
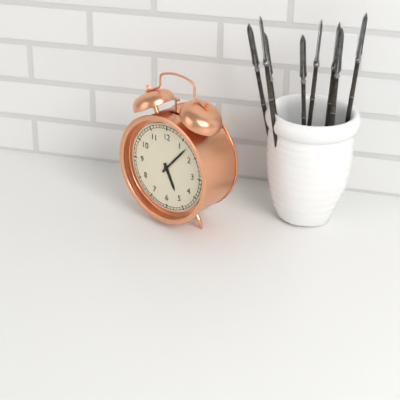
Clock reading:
{"hour": 5, "minute": 7}
